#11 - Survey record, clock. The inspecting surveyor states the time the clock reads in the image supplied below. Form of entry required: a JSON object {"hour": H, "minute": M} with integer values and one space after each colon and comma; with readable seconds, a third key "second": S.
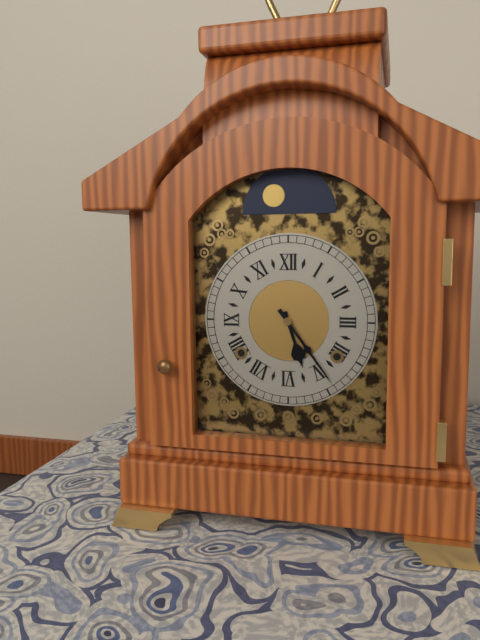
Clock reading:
{"hour": 5, "minute": 24}
